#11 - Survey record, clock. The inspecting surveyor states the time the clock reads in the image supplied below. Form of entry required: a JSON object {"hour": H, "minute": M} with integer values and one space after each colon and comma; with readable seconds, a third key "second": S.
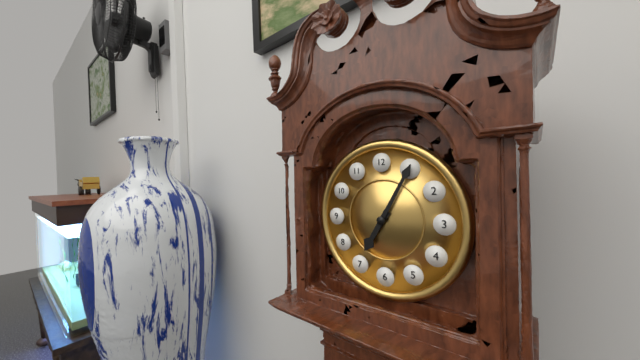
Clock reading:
{"hour": 7, "minute": 5}
